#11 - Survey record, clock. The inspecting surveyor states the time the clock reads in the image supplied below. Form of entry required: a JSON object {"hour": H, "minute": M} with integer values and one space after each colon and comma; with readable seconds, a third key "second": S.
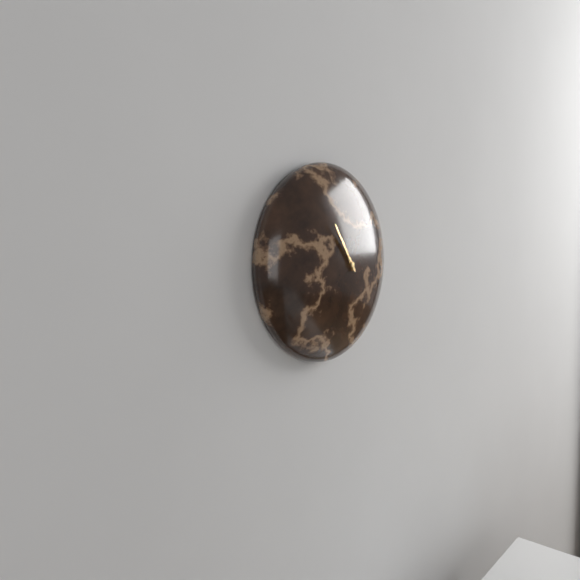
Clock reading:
{"hour": 10, "minute": 54}
